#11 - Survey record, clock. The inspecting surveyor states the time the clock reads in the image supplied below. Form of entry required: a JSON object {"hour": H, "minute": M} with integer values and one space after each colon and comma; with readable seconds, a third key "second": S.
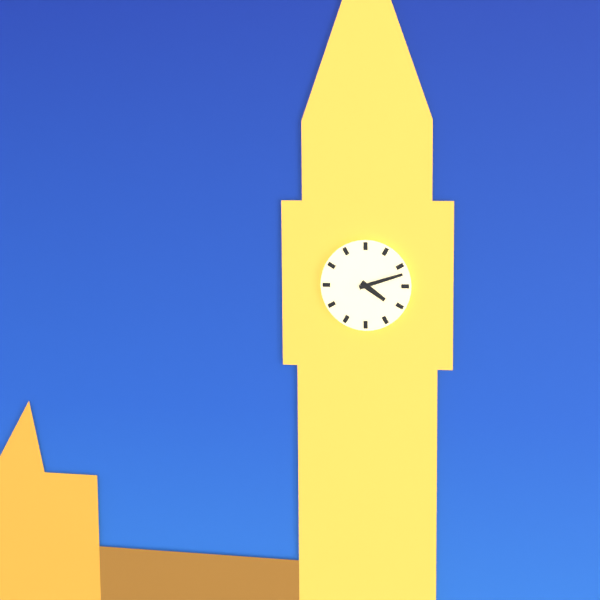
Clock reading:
{"hour": 4, "minute": 12}
